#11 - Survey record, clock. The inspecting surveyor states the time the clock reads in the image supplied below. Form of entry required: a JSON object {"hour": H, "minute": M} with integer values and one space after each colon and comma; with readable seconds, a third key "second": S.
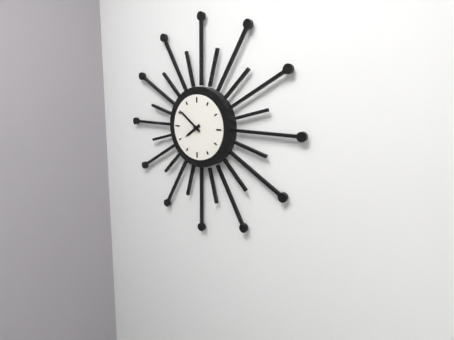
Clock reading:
{"hour": 7, "minute": 51}
